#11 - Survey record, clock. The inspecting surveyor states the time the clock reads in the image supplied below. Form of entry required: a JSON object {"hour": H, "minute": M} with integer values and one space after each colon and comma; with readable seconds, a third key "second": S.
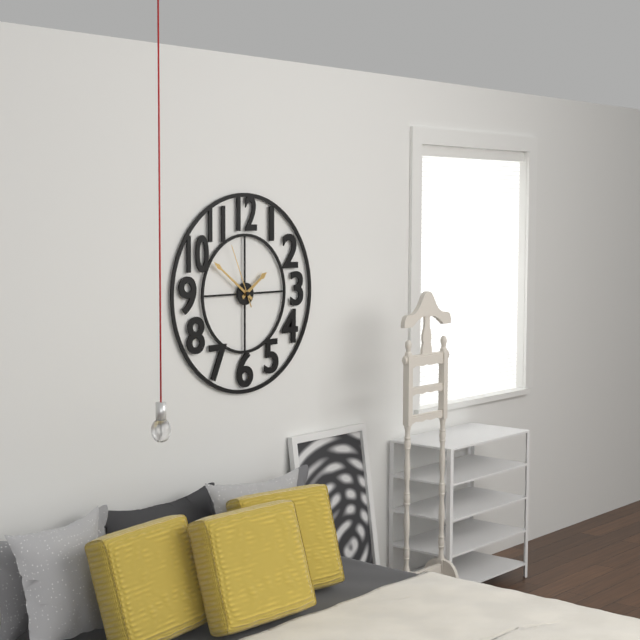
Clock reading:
{"hour": 1, "minute": 51, "second": 56}
